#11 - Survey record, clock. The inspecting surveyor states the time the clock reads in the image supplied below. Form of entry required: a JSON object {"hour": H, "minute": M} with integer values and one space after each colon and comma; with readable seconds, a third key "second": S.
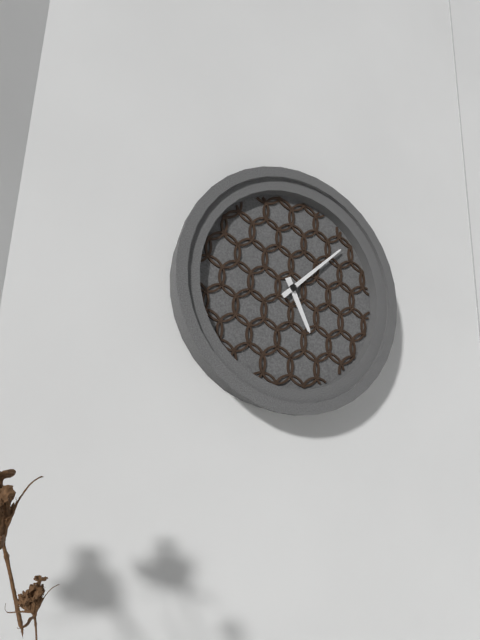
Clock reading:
{"hour": 5, "minute": 8}
